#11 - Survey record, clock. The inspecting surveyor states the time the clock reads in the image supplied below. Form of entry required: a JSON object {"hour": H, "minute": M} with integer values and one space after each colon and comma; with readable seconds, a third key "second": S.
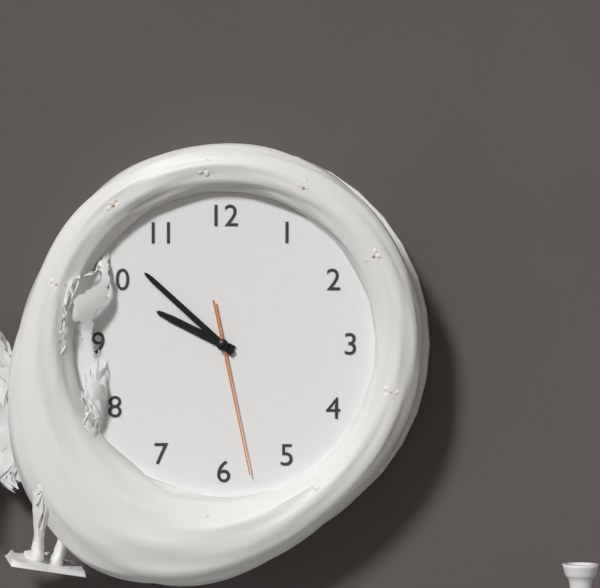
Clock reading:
{"hour": 9, "minute": 52, "second": 28}
